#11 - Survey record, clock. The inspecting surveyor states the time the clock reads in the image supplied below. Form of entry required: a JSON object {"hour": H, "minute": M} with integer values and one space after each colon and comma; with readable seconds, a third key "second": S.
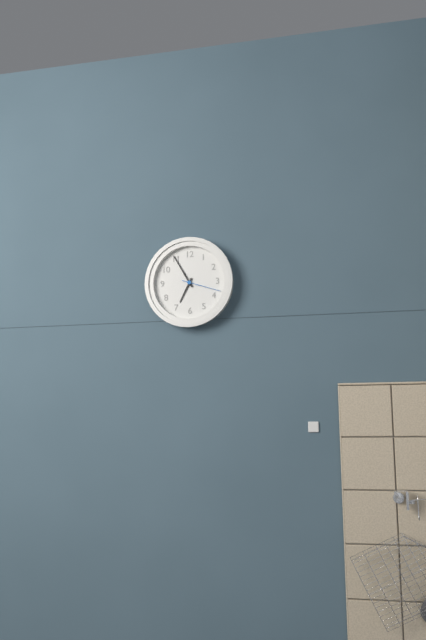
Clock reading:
{"hour": 6, "minute": 55}
